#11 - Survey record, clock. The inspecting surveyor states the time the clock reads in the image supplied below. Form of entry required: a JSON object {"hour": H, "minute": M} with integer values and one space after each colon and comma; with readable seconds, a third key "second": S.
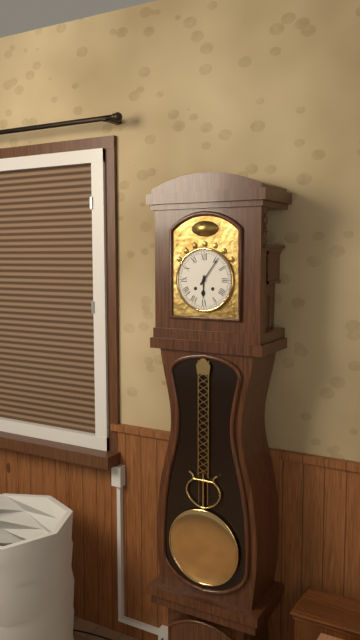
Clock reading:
{"hour": 6, "minute": 6}
